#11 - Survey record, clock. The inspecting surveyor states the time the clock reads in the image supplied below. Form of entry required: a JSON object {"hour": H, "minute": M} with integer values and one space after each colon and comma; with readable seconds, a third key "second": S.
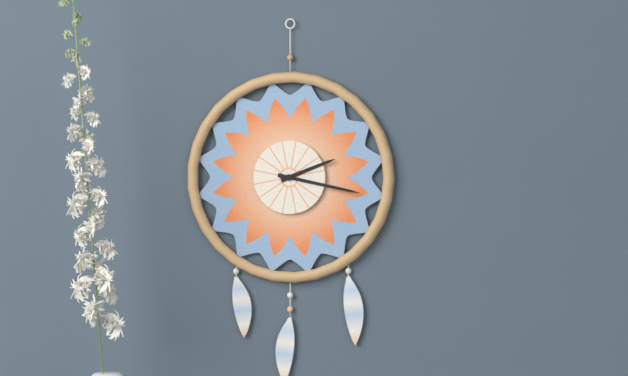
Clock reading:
{"hour": 2, "minute": 17}
